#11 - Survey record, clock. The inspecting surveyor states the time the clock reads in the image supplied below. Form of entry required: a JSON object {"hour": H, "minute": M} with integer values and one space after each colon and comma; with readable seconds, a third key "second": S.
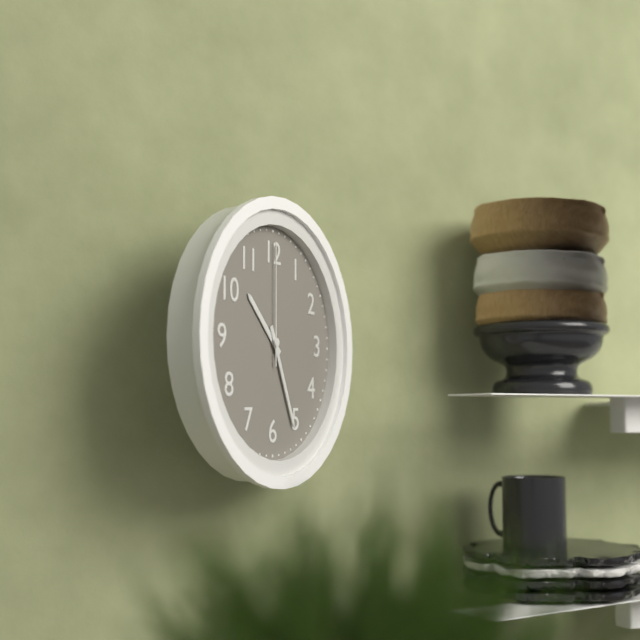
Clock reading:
{"hour": 10, "minute": 26, "second": 0}
